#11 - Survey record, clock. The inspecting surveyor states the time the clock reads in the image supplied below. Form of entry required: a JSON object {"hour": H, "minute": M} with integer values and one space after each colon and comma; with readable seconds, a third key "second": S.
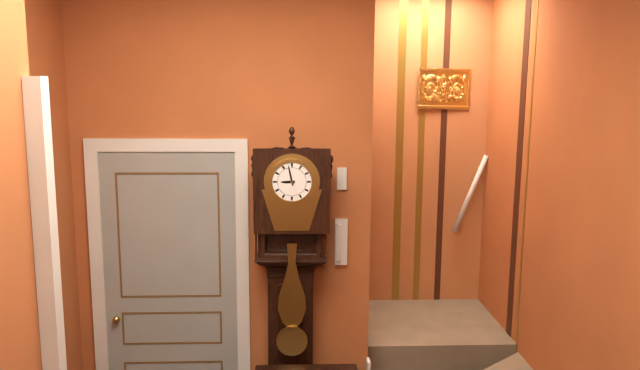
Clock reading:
{"hour": 8, "minute": 58}
